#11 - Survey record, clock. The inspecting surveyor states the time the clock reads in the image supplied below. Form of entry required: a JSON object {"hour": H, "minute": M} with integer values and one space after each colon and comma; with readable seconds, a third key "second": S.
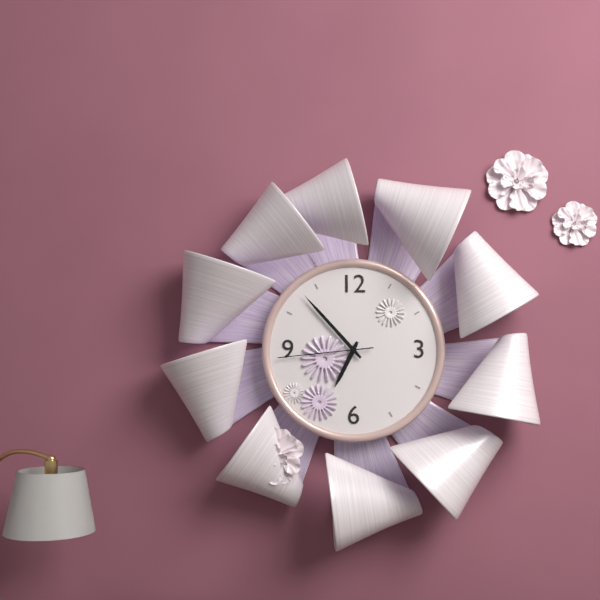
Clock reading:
{"hour": 6, "minute": 53, "second": 44}
